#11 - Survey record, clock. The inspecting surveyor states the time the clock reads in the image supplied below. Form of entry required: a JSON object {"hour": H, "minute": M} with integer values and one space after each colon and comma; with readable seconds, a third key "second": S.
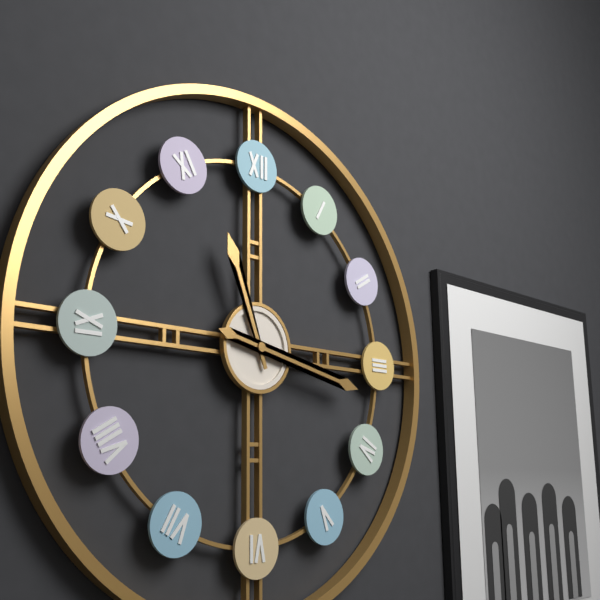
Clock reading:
{"hour": 11, "minute": 17}
